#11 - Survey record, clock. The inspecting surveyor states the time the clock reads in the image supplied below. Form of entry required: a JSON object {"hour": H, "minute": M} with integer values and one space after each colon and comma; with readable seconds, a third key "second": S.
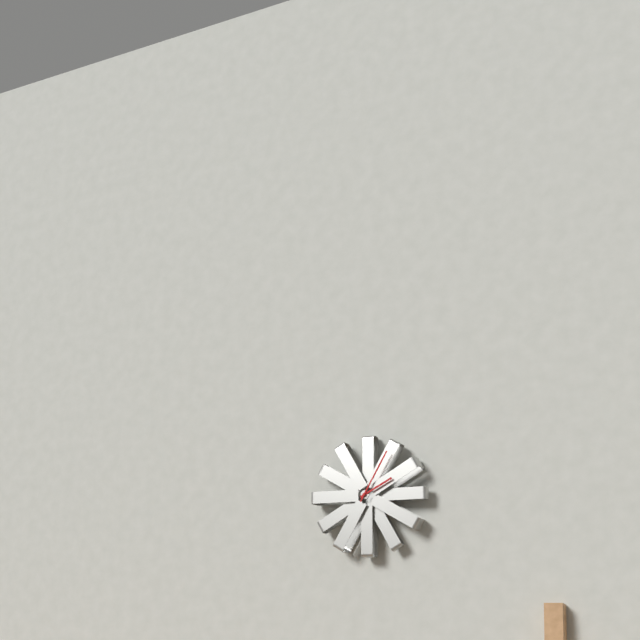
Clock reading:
{"hour": 2, "minute": 5}
